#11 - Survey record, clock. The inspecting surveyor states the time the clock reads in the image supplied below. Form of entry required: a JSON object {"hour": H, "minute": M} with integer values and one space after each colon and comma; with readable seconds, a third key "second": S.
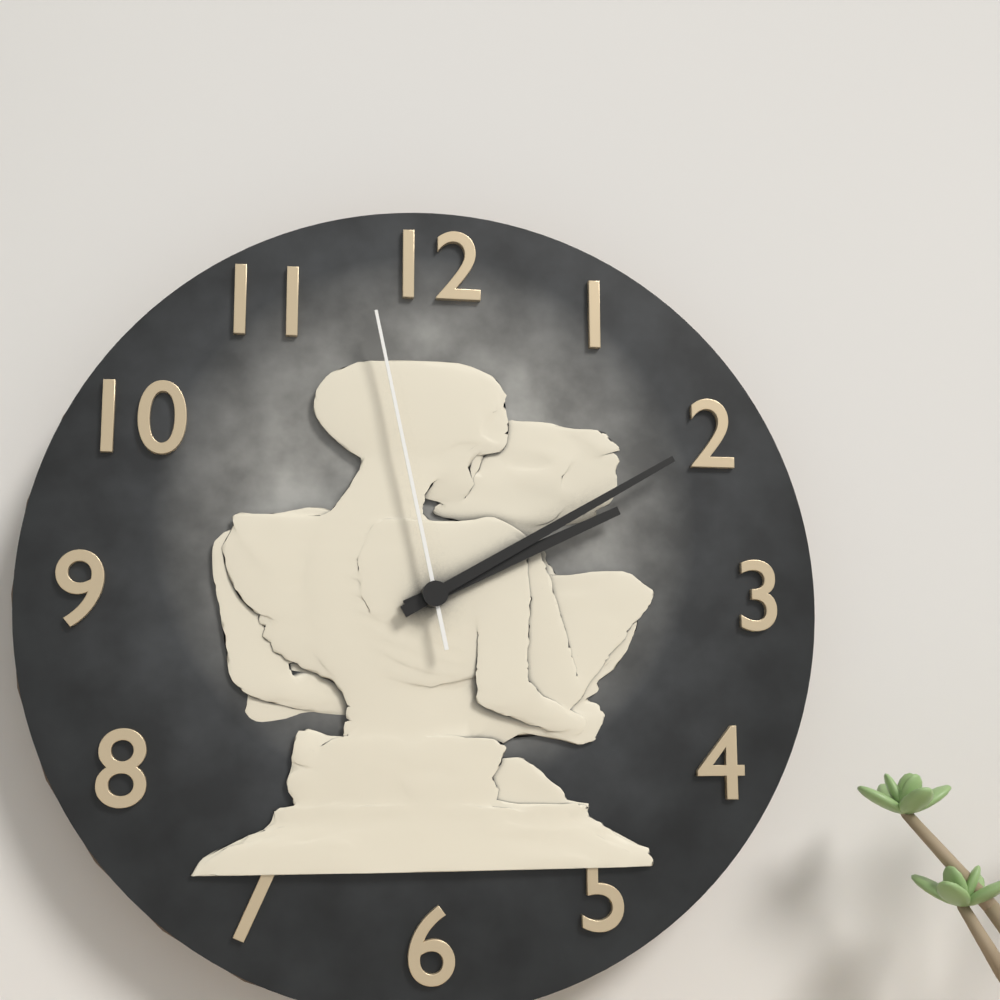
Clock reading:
{"hour": 2, "minute": 10, "second": 58}
